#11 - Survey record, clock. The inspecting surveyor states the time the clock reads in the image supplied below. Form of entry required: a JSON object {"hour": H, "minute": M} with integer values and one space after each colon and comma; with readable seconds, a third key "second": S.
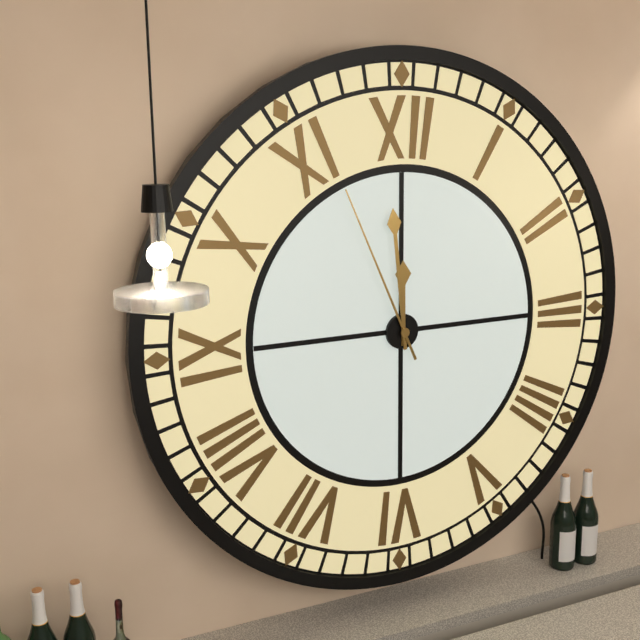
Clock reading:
{"hour": 11, "minute": 59, "second": 56}
